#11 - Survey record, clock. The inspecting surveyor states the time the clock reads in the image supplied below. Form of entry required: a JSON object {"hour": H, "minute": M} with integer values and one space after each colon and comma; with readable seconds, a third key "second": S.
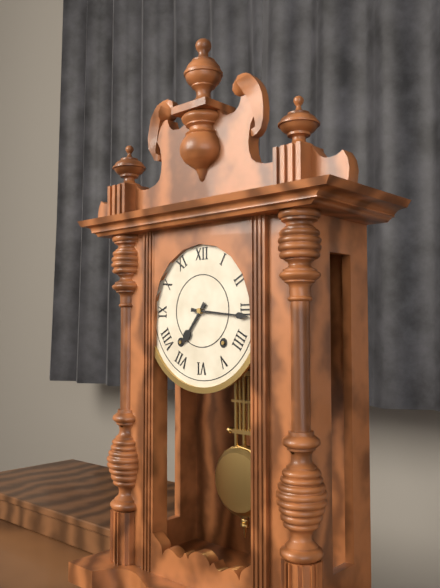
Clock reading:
{"hour": 7, "minute": 16}
